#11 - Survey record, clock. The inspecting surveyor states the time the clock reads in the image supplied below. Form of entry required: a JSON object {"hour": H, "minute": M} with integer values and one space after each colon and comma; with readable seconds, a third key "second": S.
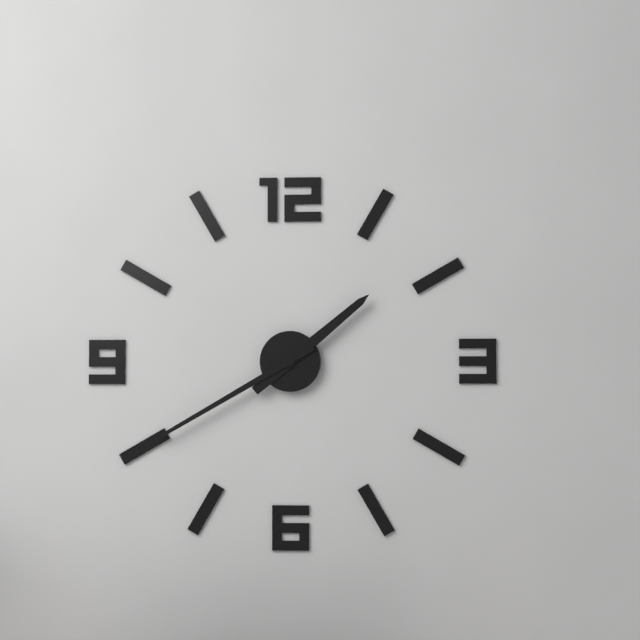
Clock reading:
{"hour": 1, "minute": 40}
